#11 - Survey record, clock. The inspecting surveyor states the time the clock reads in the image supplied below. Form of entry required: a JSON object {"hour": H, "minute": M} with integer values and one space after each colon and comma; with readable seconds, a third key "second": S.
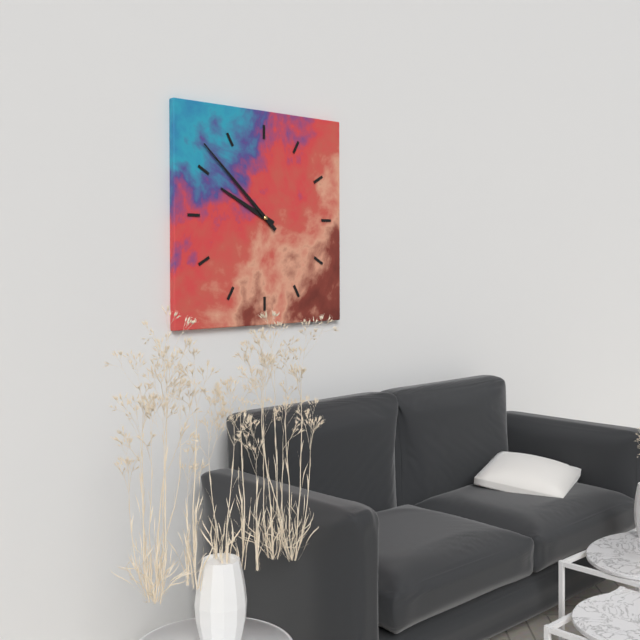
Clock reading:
{"hour": 9, "minute": 52}
